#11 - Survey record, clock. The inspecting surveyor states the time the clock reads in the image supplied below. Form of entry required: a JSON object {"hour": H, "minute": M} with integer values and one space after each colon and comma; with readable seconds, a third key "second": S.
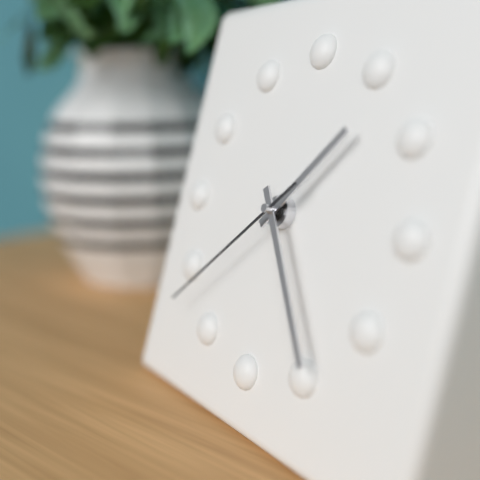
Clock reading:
{"hour": 1, "minute": 24, "second": 38}
